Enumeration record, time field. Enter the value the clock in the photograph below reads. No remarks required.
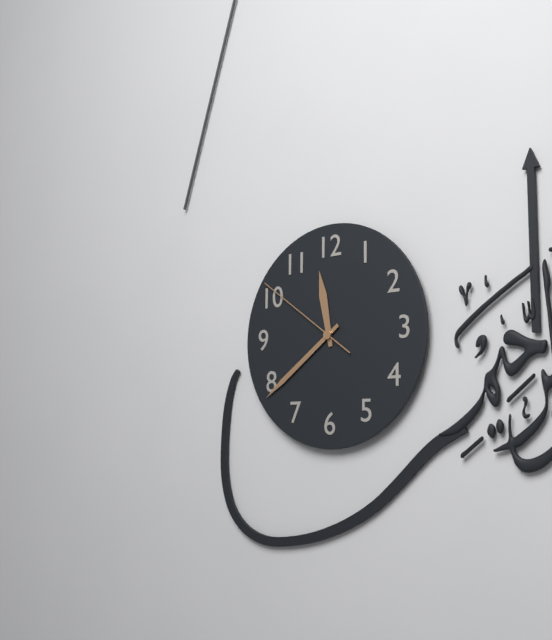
11:39:51
